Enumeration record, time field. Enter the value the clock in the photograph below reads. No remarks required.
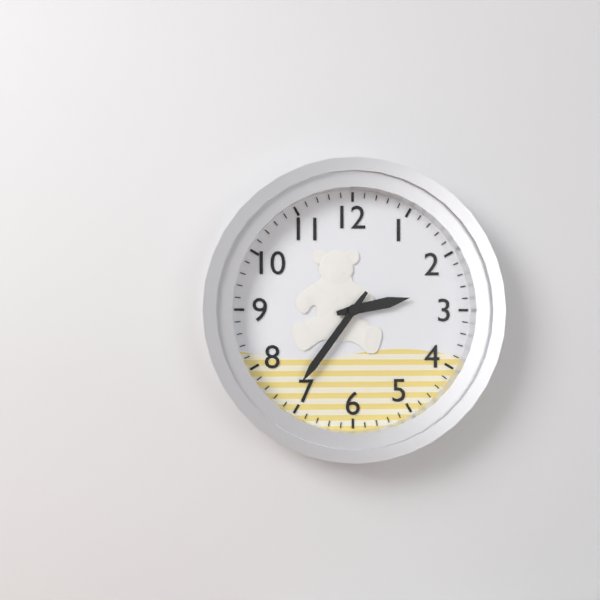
2:36
